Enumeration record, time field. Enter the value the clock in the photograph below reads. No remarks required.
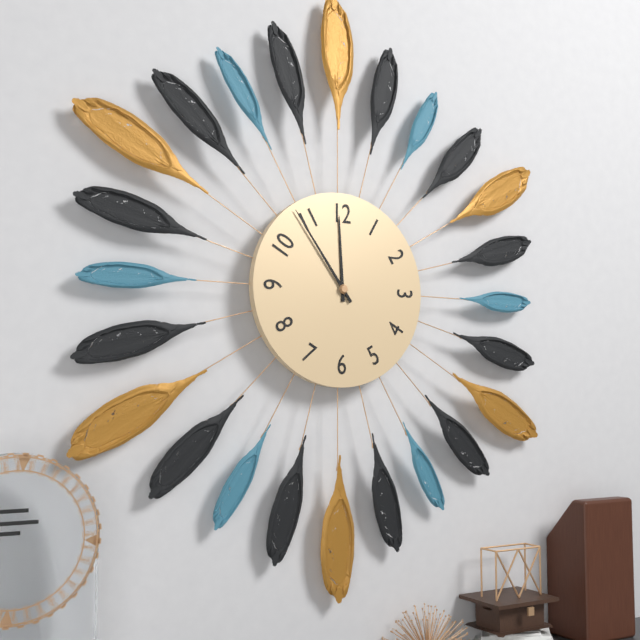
11:54
